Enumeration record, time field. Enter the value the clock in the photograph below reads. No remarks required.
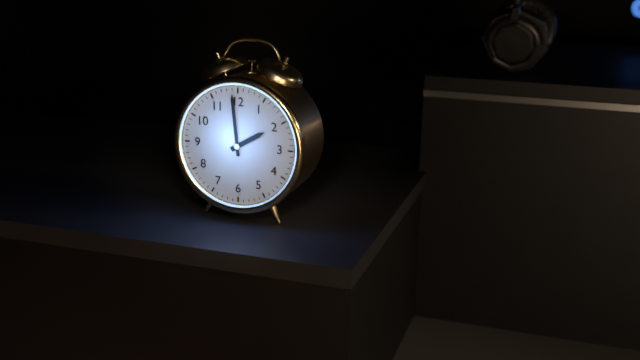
1:59
